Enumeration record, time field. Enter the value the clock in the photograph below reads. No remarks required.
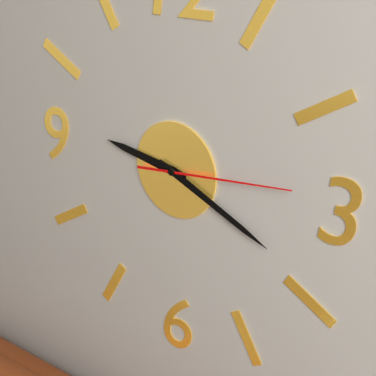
9:19:14
